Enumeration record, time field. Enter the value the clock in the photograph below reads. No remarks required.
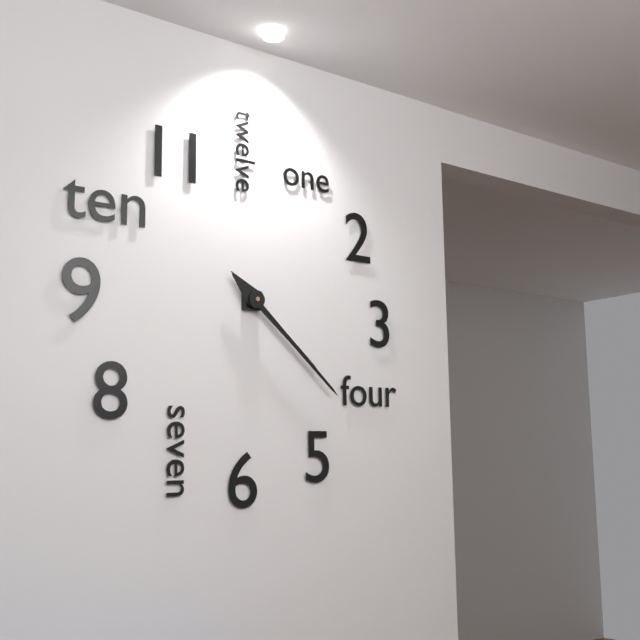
4:22
